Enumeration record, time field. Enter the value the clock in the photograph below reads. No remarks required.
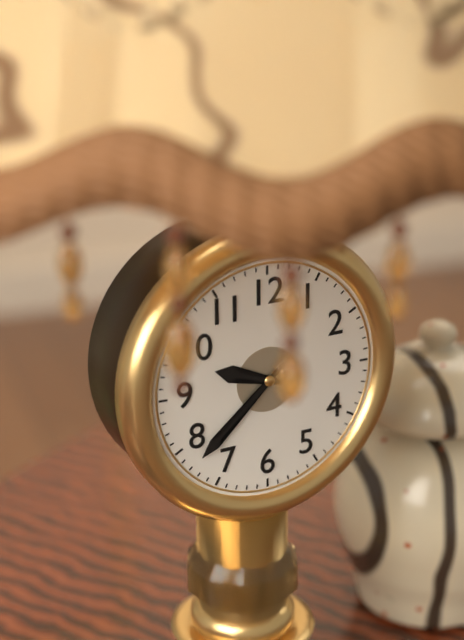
9:38
